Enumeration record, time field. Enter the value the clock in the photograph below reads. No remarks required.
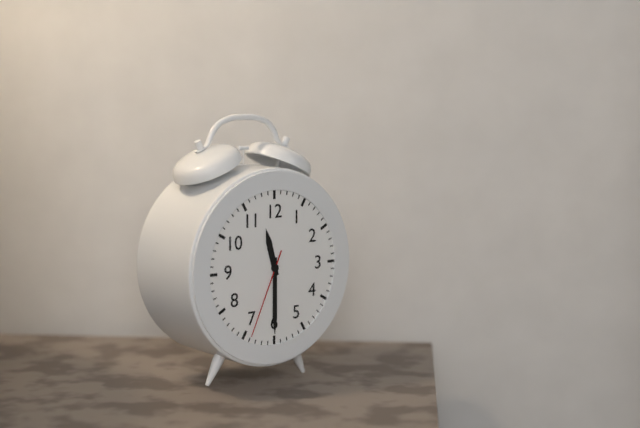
11:30:34
